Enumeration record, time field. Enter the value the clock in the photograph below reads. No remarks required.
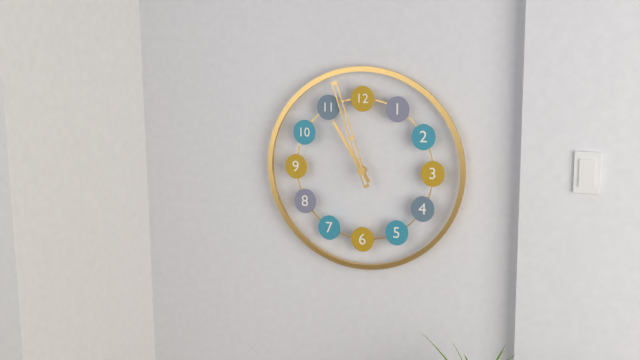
10:57
